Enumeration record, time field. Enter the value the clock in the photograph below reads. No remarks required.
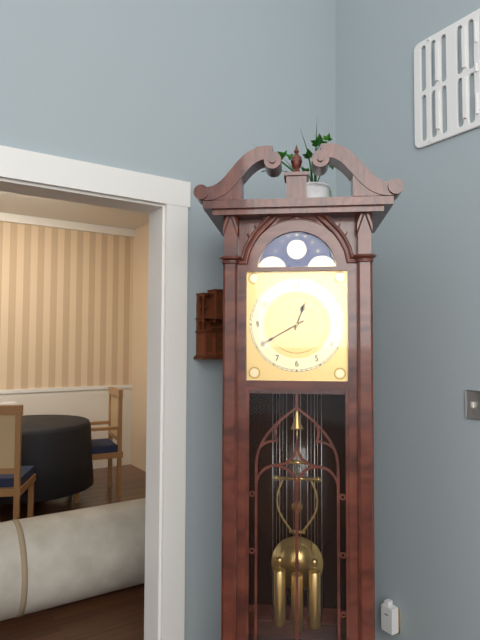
12:40
